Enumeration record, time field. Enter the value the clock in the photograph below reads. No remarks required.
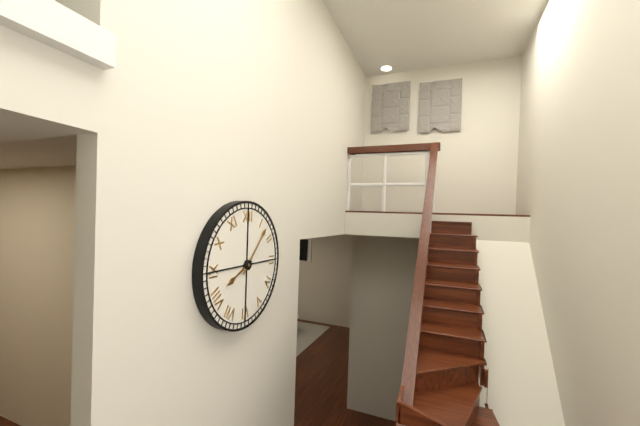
8:07
